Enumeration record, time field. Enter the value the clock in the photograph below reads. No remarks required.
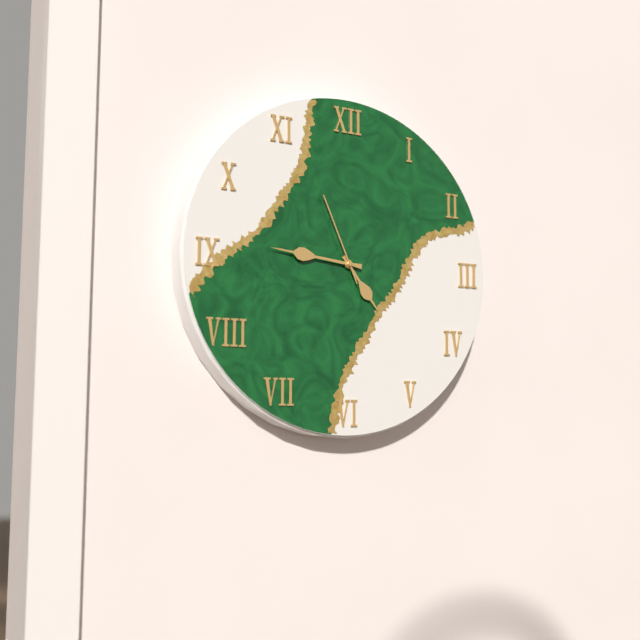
4:46:56
